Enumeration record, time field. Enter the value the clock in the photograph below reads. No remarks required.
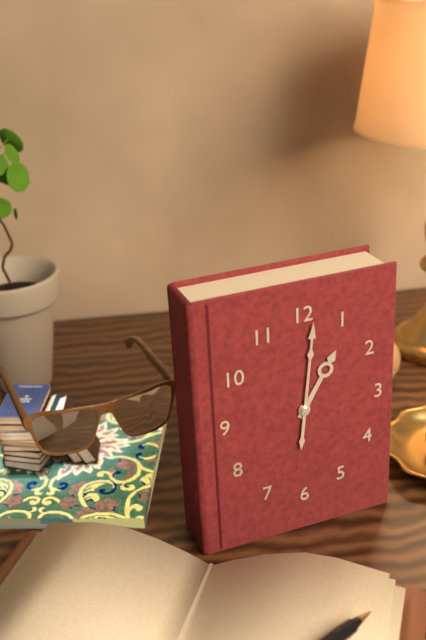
1:01
